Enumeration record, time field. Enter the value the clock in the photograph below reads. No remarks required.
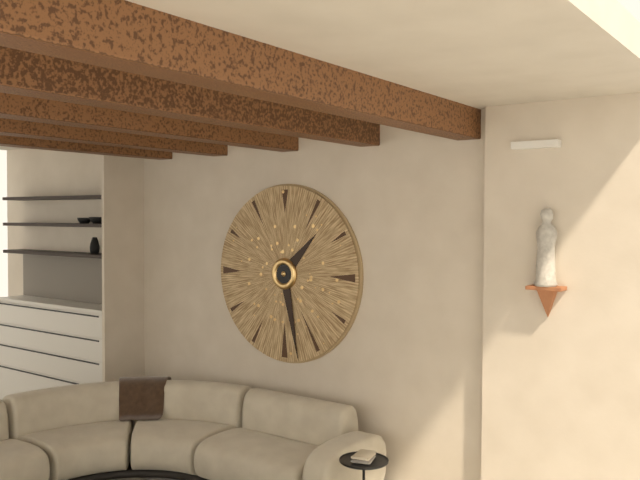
1:28
